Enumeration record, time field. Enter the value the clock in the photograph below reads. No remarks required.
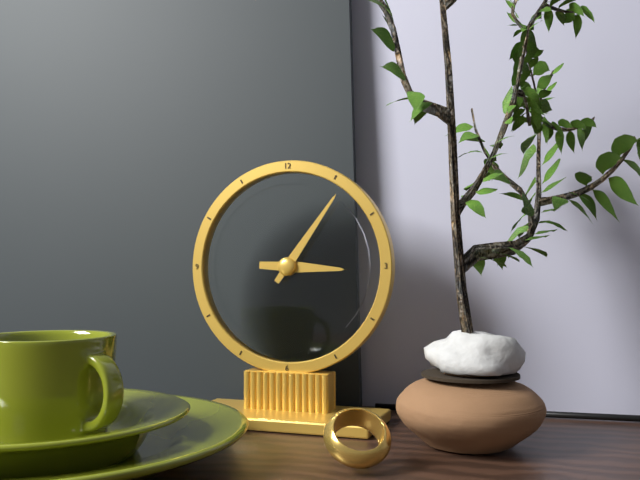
3:06
